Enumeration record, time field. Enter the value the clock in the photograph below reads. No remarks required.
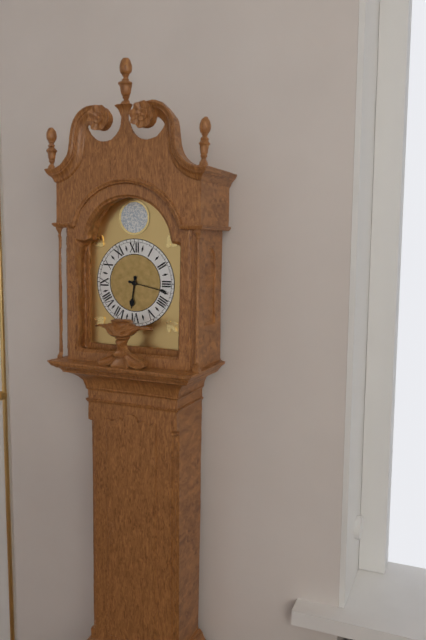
6:17
